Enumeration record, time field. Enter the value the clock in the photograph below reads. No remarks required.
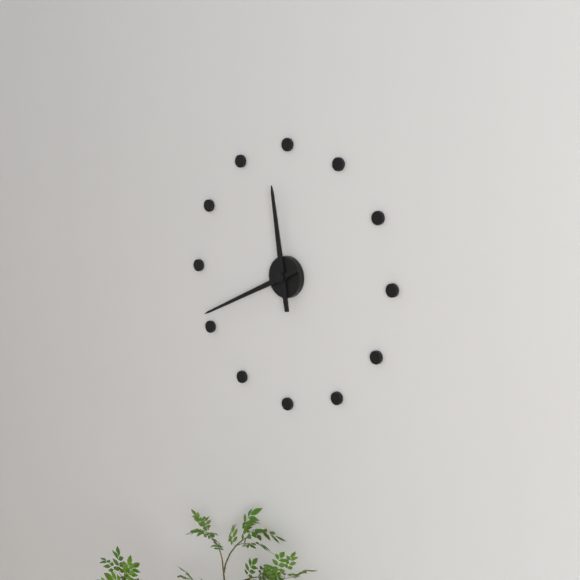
11:41
